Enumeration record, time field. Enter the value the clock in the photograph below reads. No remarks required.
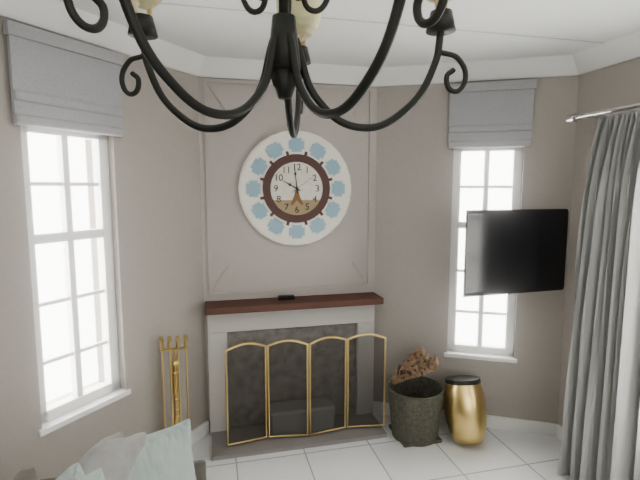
9:59
